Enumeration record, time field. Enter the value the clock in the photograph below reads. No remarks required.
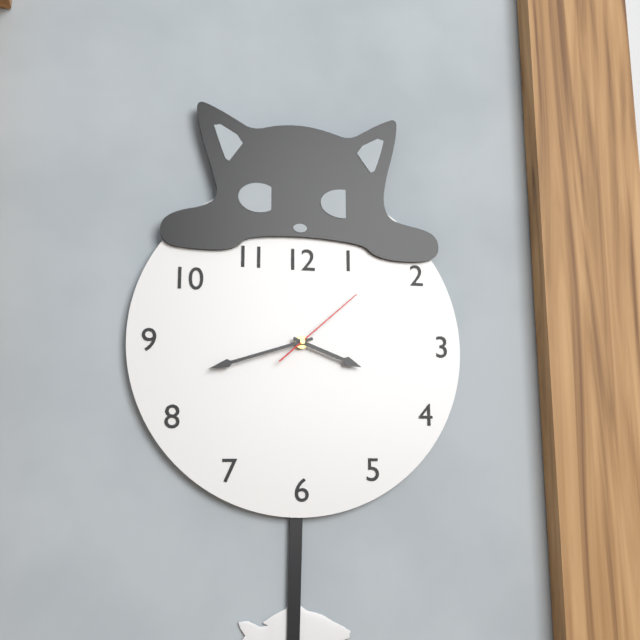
3:42:08
